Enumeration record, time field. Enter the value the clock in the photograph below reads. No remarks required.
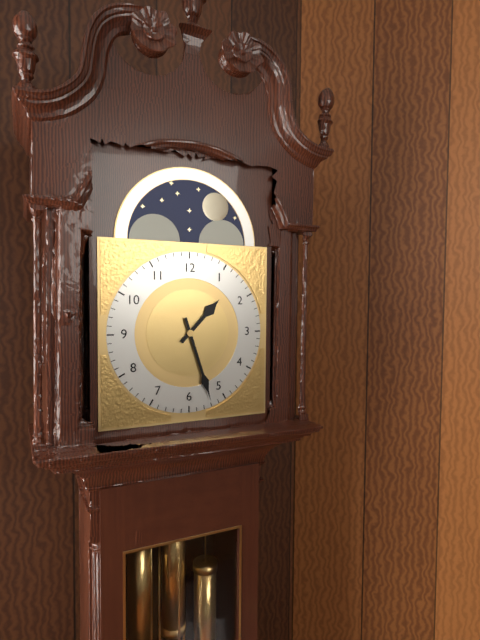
1:27
